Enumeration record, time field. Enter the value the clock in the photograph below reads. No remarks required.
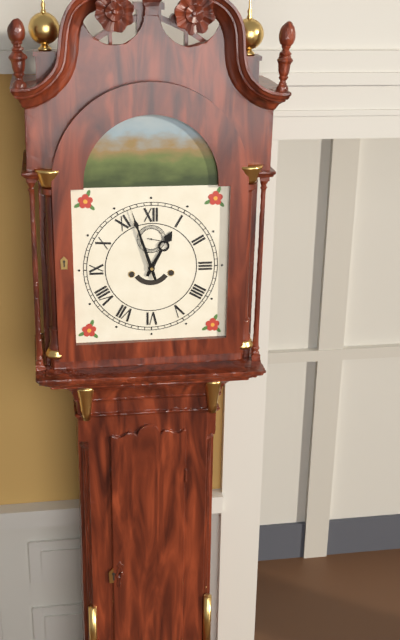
12:57
